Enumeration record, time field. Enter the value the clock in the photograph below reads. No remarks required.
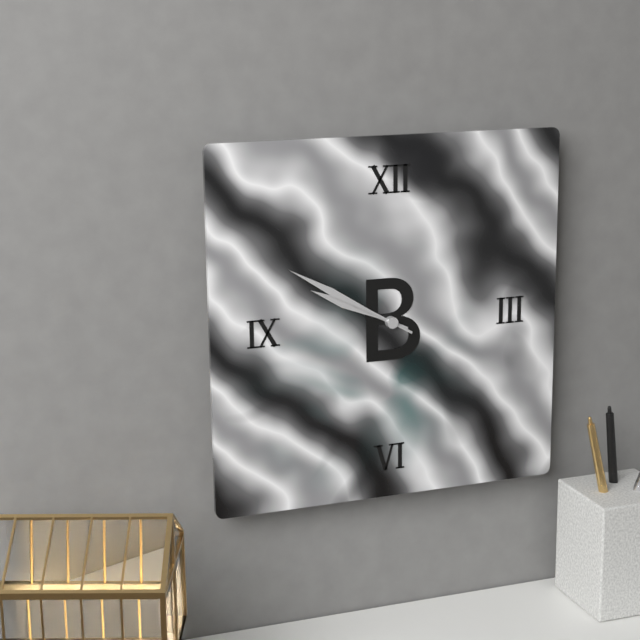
9:50
